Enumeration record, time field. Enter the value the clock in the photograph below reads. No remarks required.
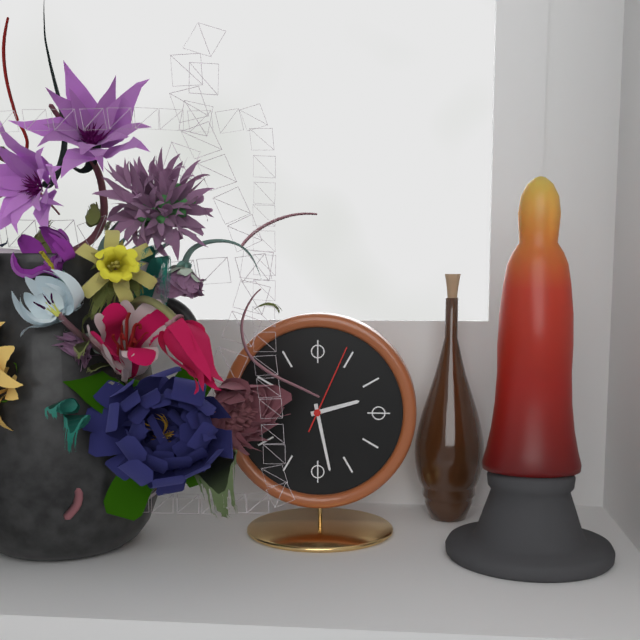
2:28:04
